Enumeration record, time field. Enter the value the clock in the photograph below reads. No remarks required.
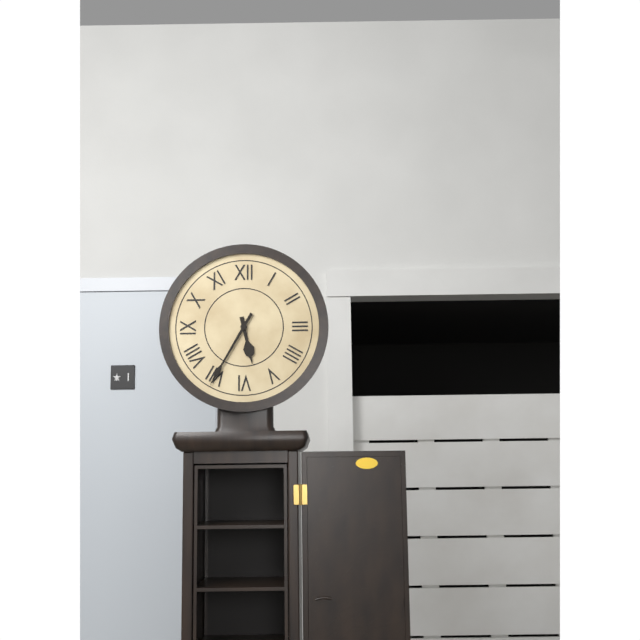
5:35
